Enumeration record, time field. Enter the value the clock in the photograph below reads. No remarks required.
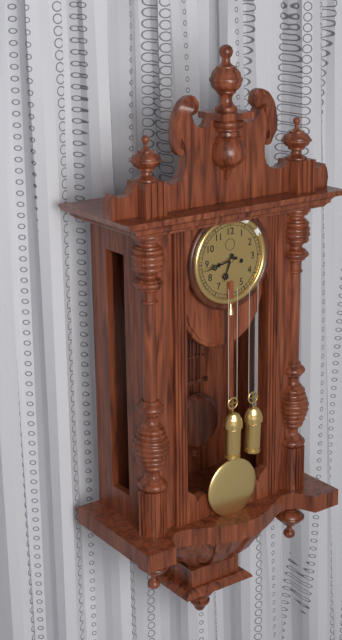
6:43
